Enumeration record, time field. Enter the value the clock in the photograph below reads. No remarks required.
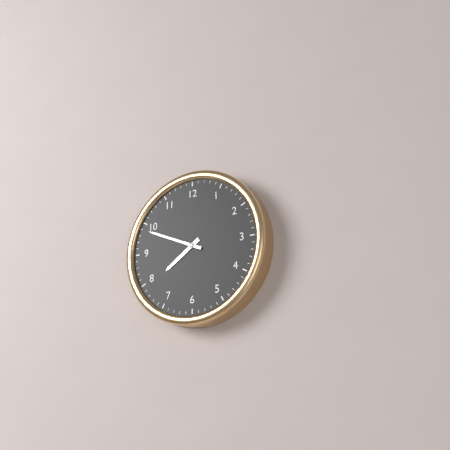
7:49
